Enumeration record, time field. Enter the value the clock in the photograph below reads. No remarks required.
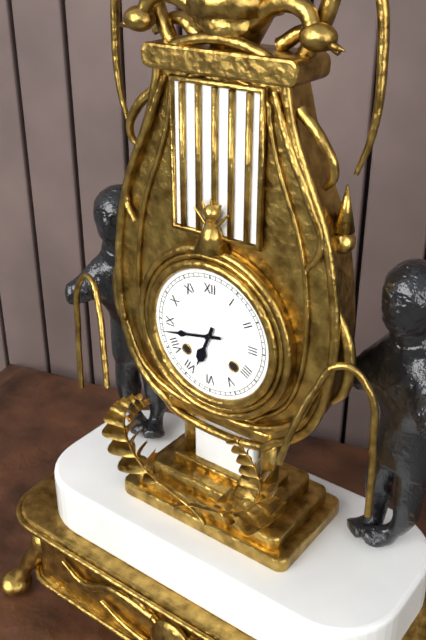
6:43
